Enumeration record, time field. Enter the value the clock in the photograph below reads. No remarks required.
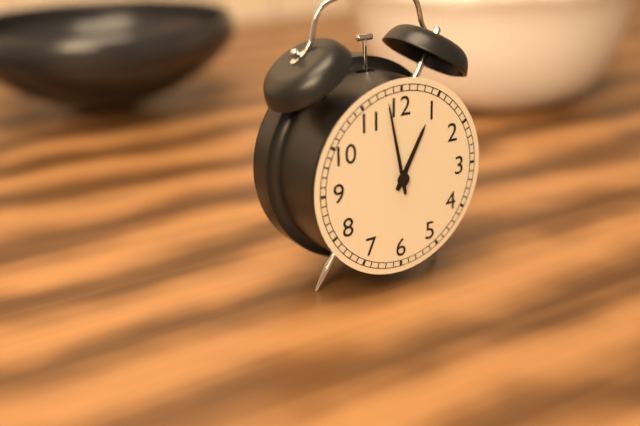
12:58
